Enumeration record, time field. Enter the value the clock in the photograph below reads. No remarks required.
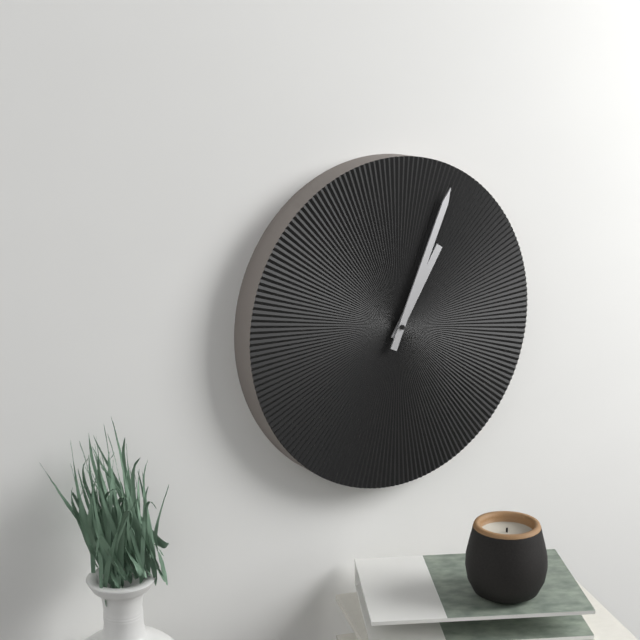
1:04
